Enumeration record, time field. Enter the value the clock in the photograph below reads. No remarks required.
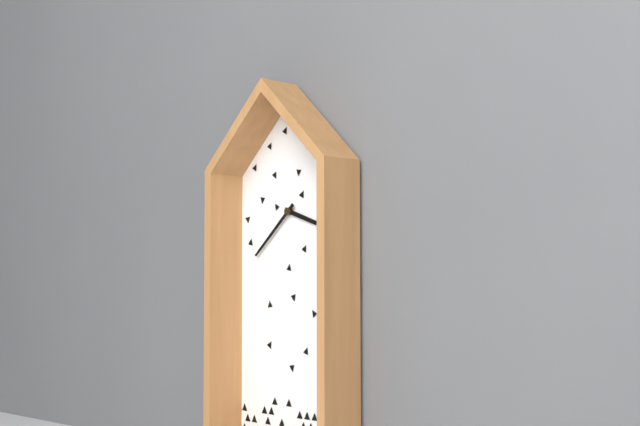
3:38
